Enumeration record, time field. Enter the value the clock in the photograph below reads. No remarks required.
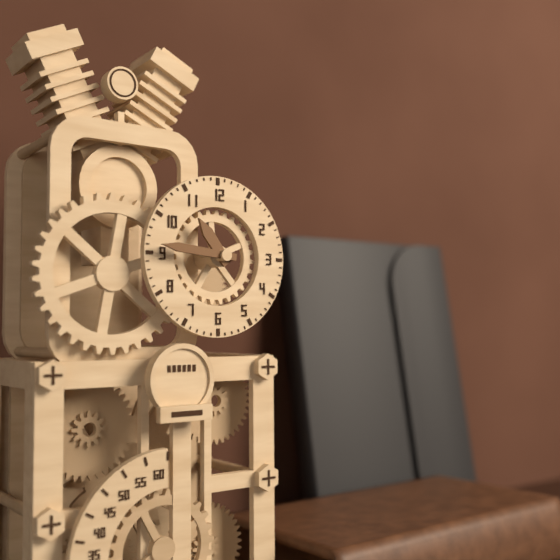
10:46
